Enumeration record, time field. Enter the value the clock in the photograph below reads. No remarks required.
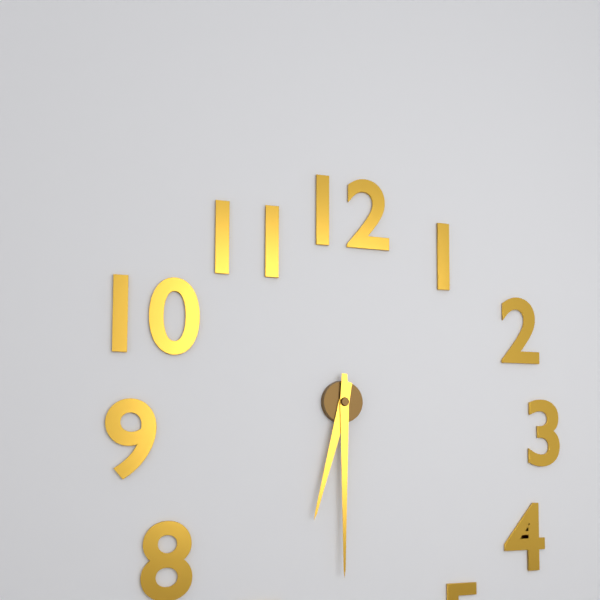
6:30
